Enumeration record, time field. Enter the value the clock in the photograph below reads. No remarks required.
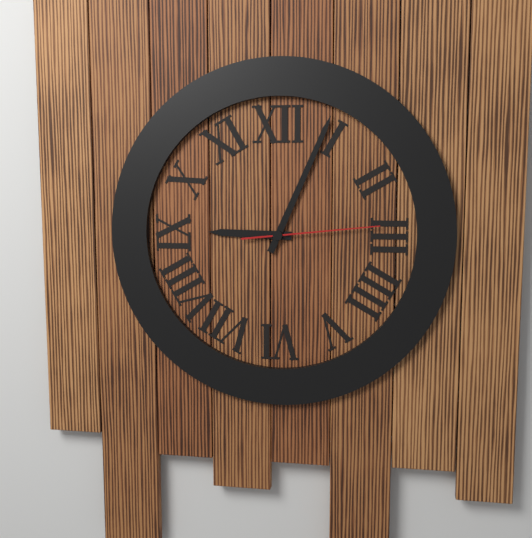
9:04:14
